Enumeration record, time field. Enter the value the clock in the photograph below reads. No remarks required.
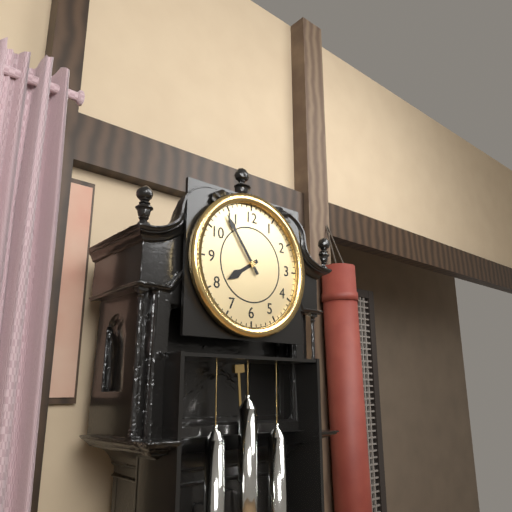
7:54
